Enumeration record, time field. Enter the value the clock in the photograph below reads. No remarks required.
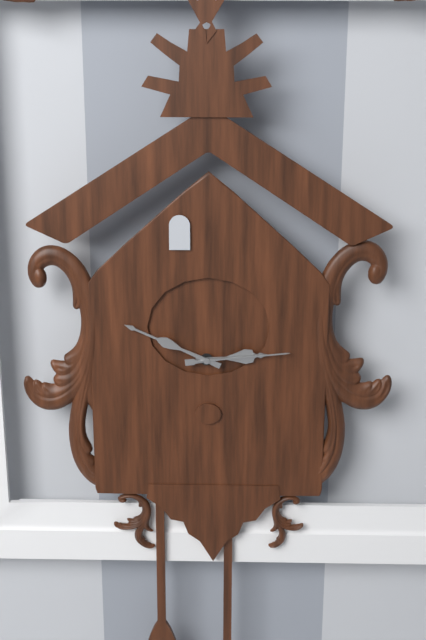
2:49:14
